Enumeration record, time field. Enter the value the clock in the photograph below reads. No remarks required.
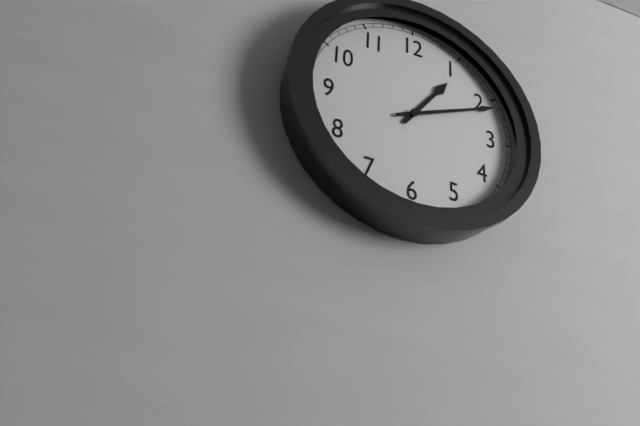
1:11
